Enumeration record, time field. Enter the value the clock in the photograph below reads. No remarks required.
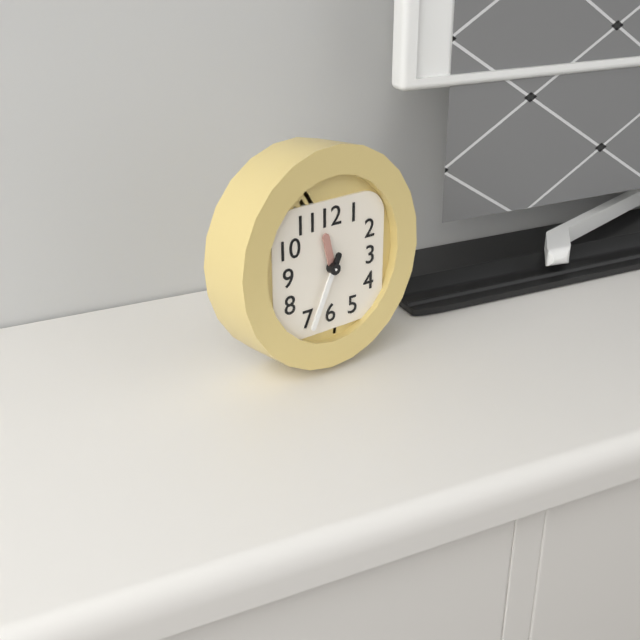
11:34
